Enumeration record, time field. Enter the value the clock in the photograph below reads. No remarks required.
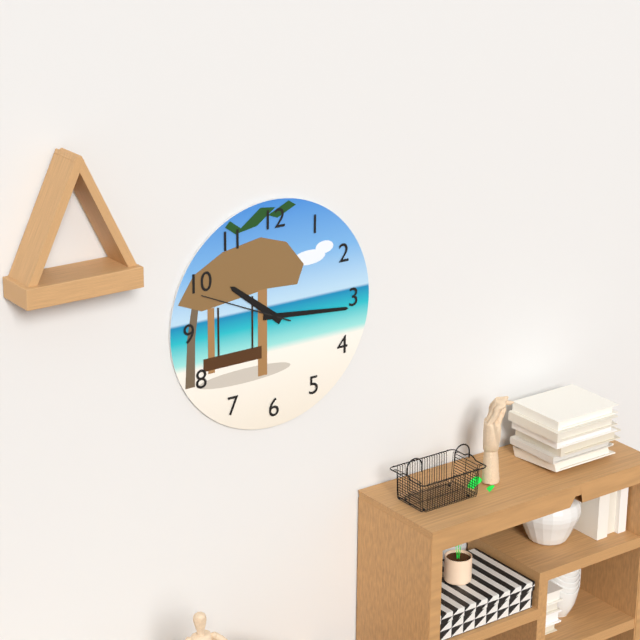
10:16:49
